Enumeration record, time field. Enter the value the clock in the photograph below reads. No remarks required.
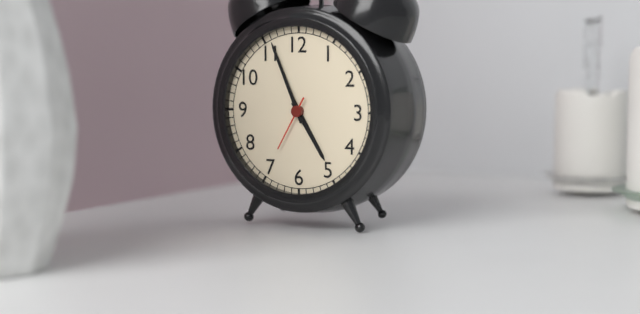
4:56:35
